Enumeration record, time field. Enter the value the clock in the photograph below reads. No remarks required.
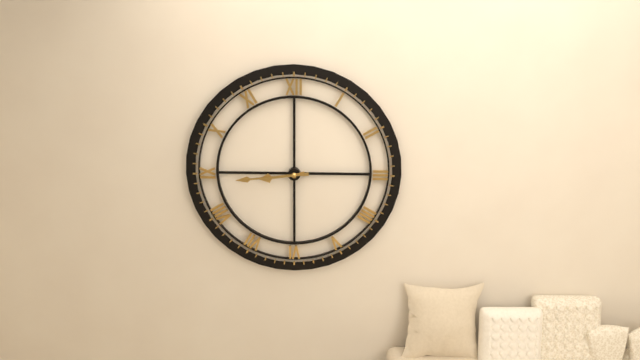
8:44
